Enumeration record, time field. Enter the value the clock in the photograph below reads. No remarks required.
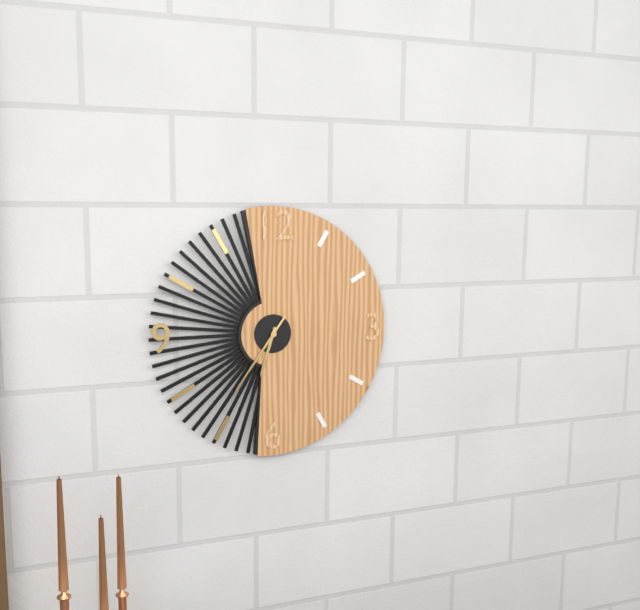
6:36
